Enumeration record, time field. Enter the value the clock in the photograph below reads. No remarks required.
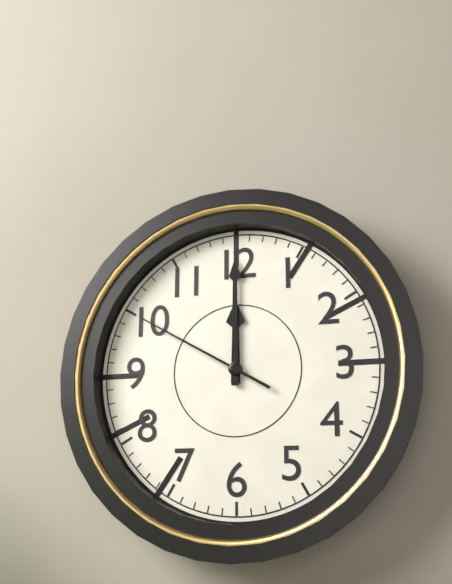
12:00:50
